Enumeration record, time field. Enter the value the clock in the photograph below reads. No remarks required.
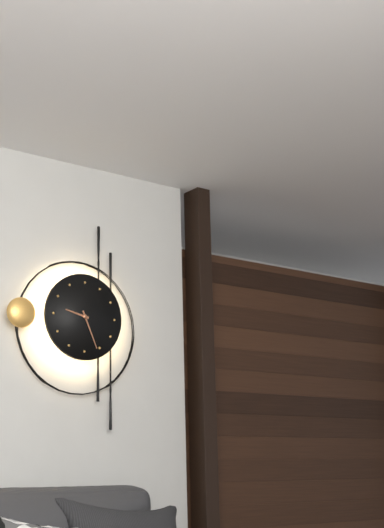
9:26
